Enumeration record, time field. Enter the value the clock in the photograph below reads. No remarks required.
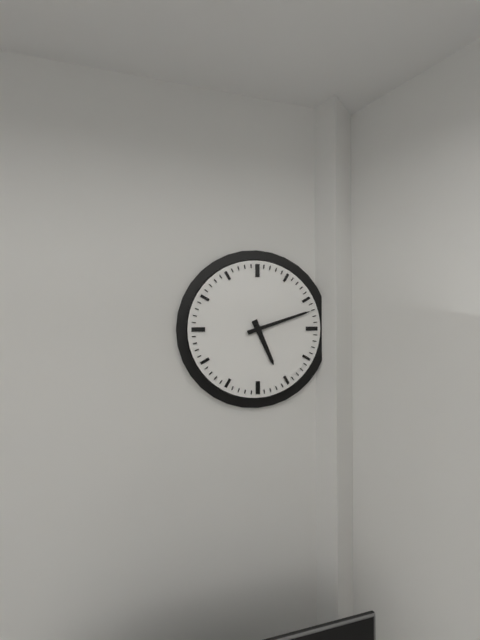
5:12
